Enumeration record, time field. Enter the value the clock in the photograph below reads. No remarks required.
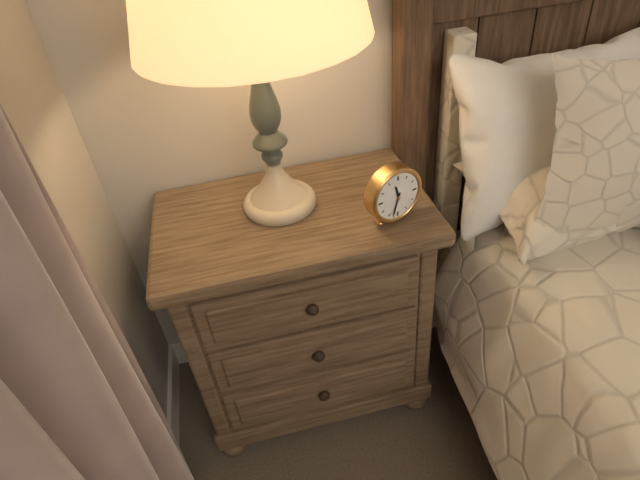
11:33
